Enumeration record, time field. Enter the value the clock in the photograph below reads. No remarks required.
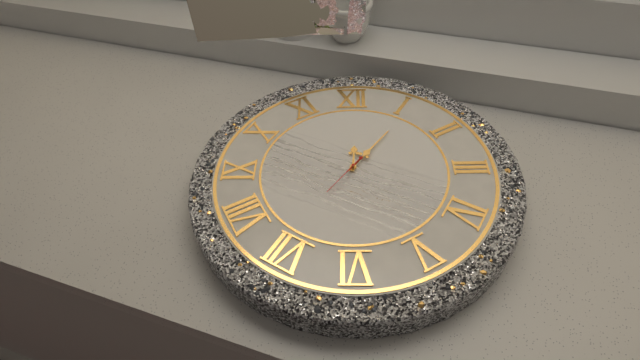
12:06
